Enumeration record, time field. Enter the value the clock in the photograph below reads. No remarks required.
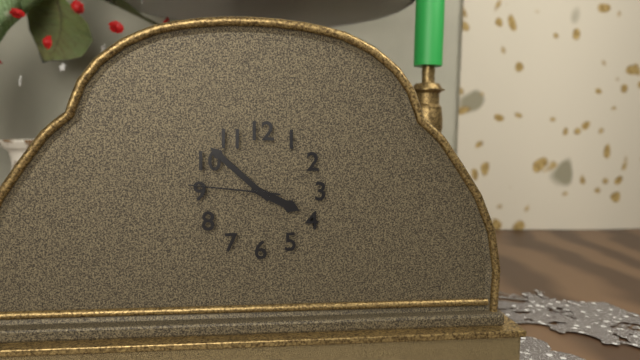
3:52:46
